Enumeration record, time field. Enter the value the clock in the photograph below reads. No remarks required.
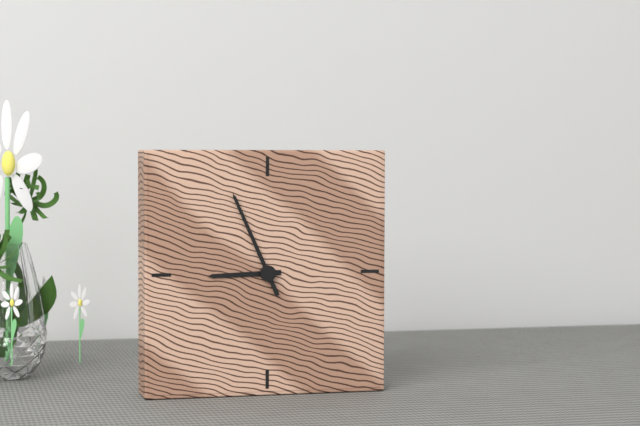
8:56
